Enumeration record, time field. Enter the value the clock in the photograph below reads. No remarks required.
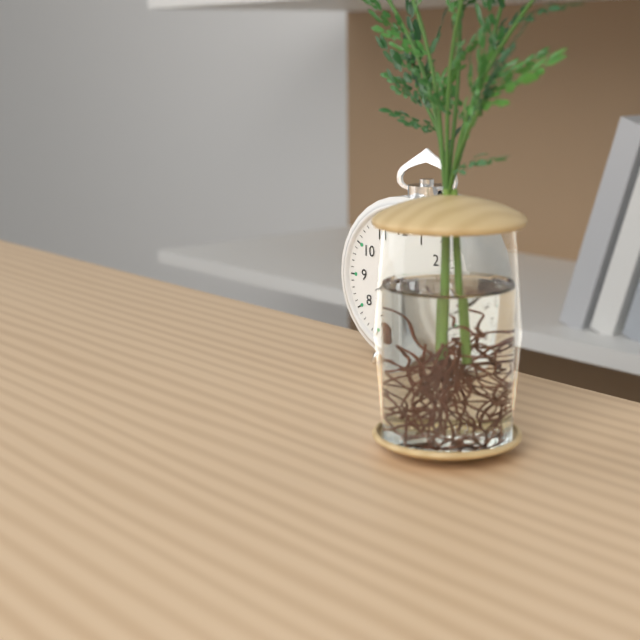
8:18
